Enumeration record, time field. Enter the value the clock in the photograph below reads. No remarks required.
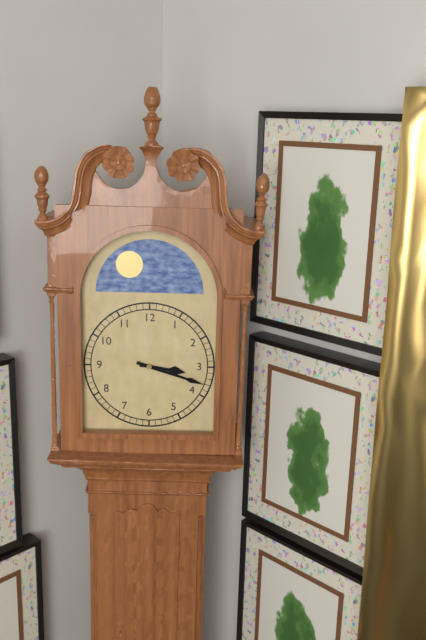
3:18
